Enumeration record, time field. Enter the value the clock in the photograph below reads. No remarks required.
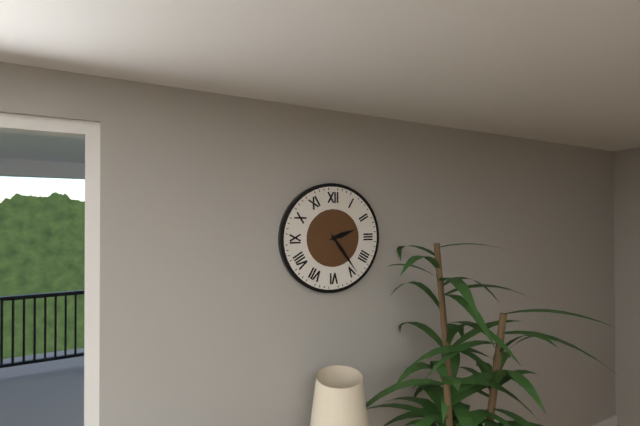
2:24
